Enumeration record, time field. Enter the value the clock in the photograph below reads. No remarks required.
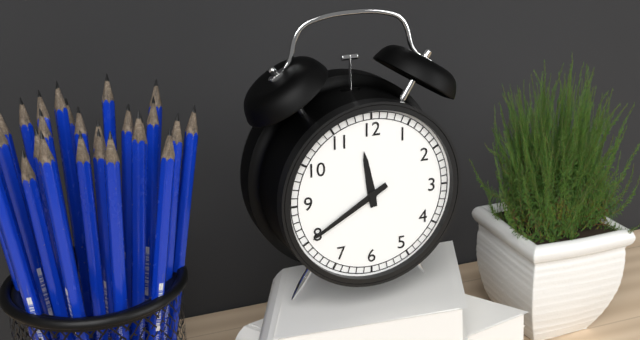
11:40
